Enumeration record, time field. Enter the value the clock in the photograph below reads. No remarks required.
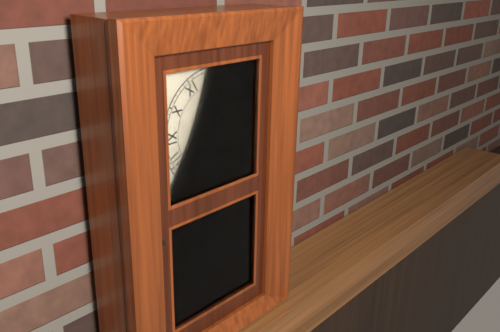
5:32
